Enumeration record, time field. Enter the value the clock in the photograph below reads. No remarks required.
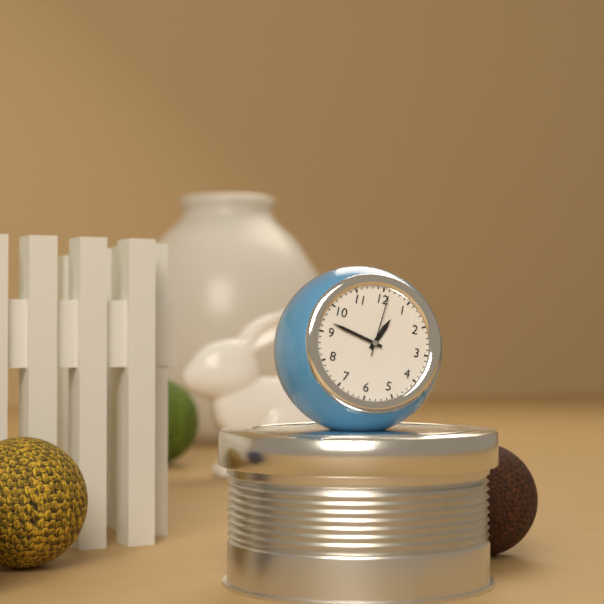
12:47:01
